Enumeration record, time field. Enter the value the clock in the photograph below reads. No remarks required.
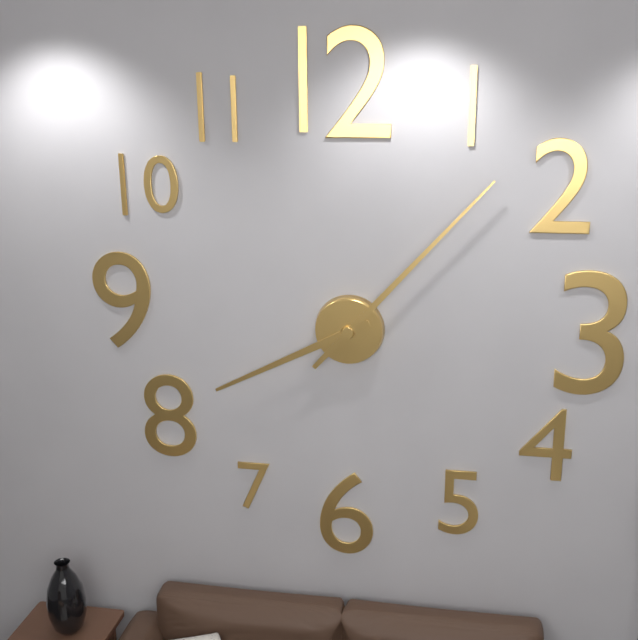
8:07
